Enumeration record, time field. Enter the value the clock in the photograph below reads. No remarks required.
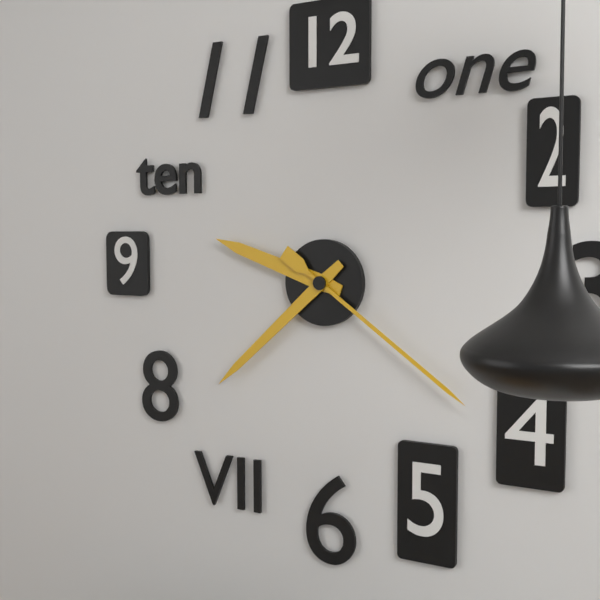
9:38:21
